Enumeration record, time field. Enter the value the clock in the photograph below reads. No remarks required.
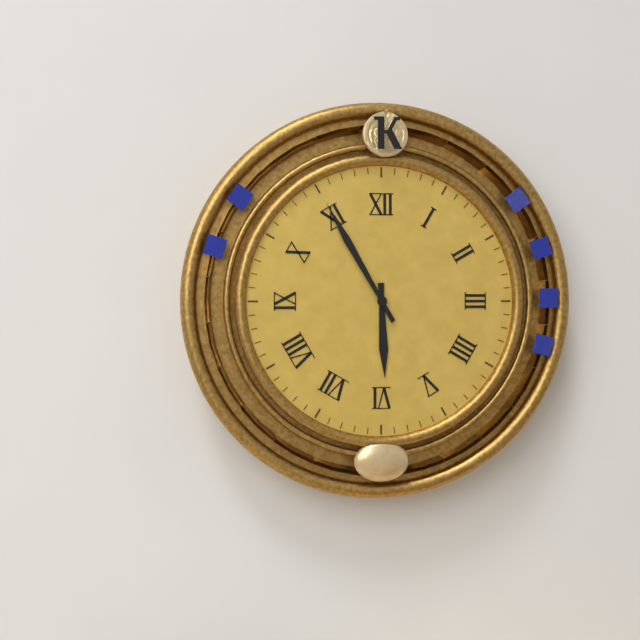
5:55
